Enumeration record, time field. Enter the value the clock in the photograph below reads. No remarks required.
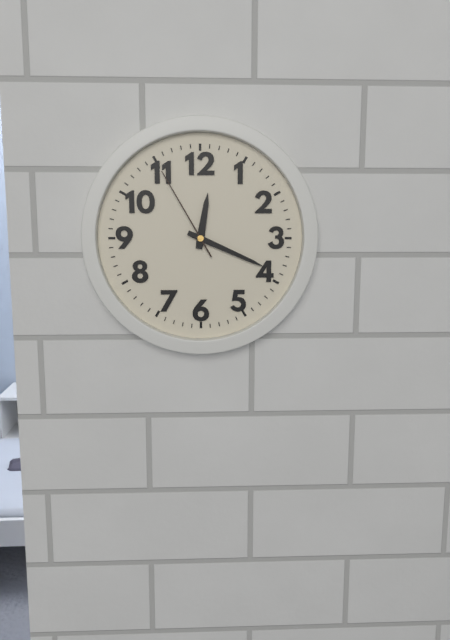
12:19:55
